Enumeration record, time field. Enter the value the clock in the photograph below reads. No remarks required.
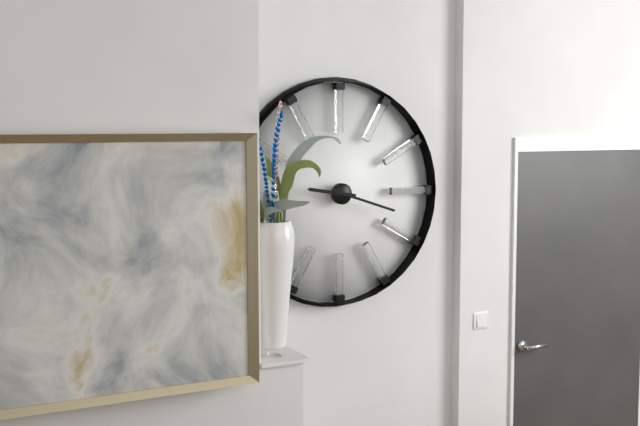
9:18
